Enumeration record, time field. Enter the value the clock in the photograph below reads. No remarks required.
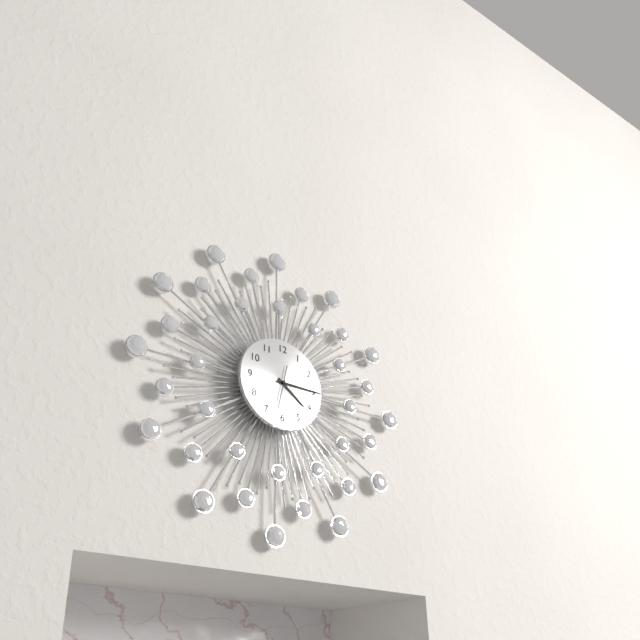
4:15:32
